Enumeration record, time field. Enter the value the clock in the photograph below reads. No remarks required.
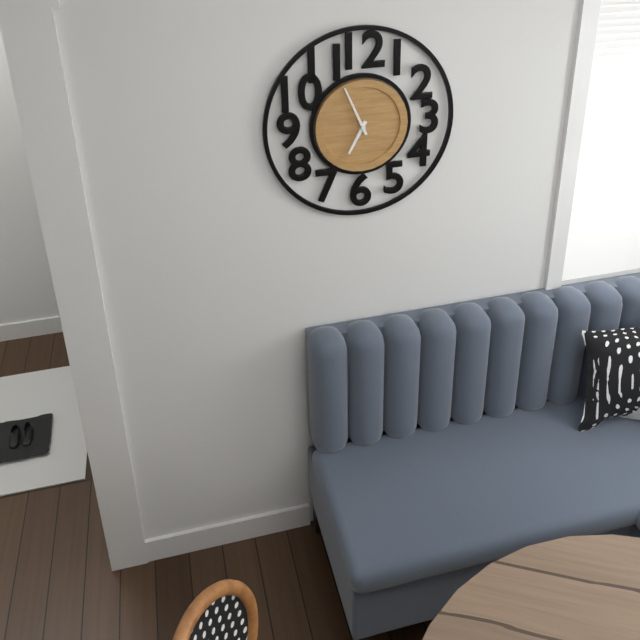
6:56
